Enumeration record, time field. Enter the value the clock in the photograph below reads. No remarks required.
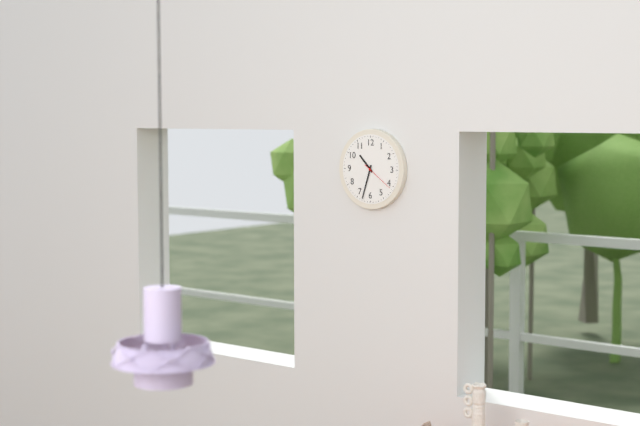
10:33
